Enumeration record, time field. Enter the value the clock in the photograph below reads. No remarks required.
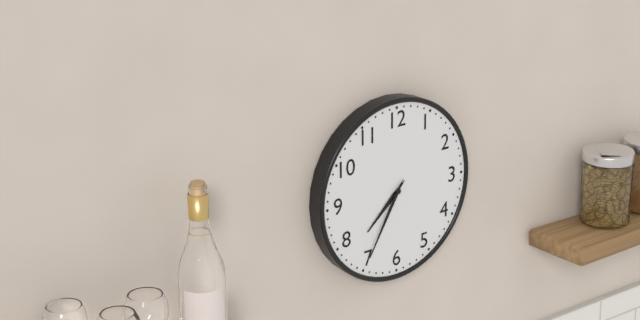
7:35
